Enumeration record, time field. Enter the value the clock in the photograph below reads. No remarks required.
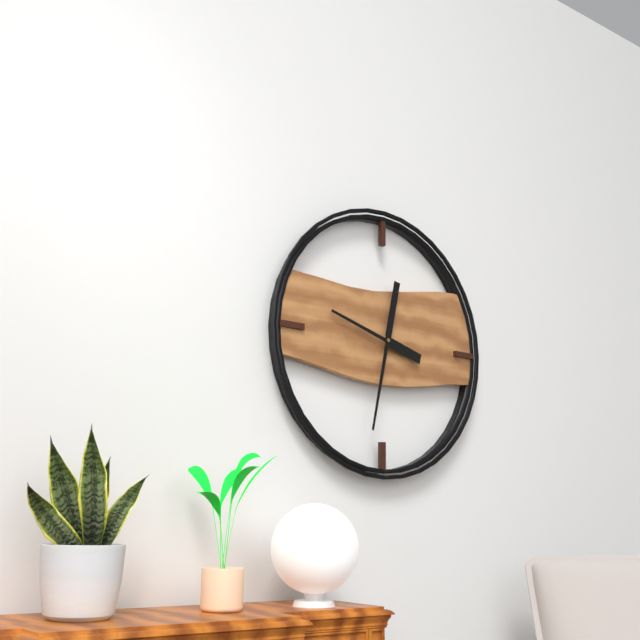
9:32
